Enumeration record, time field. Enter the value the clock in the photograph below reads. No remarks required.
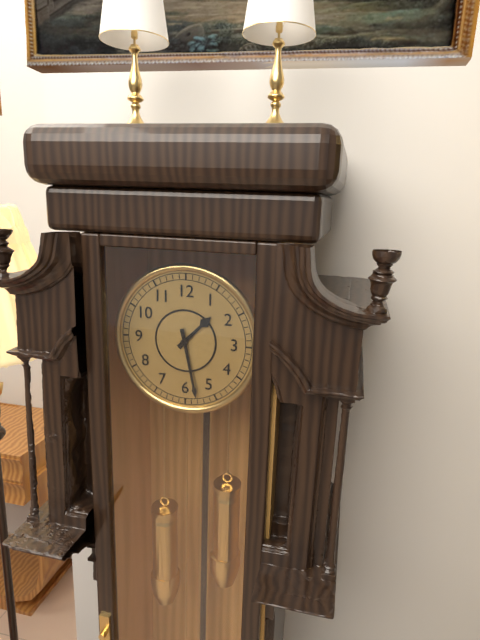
1:28
